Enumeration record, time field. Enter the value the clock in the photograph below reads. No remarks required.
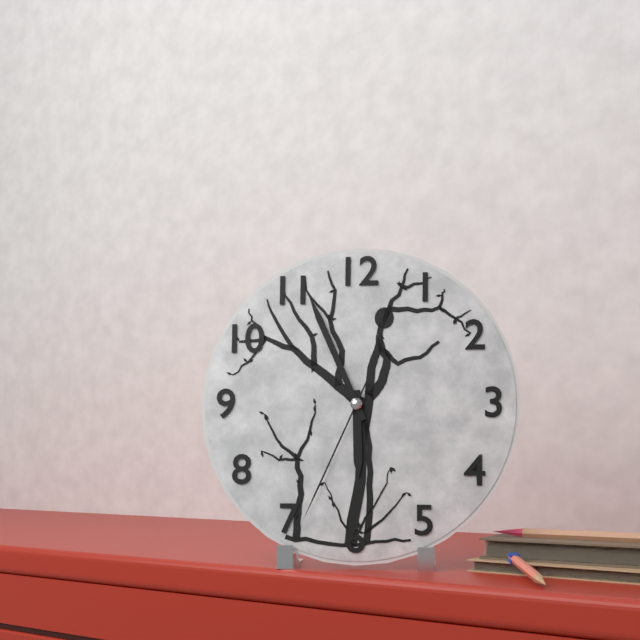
5:56:34
